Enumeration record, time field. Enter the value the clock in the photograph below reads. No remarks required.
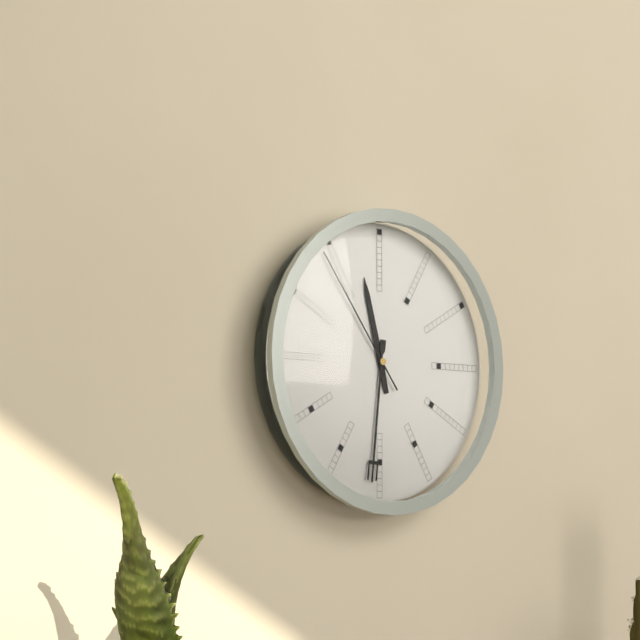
11:31:54
